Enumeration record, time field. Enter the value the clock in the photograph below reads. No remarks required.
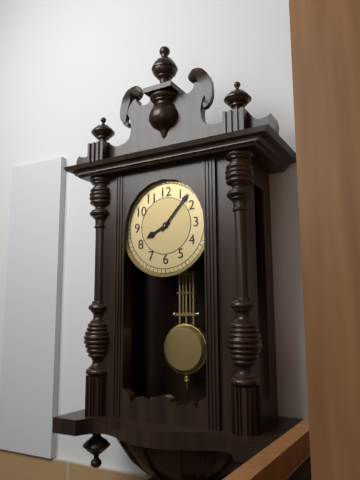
8:07
